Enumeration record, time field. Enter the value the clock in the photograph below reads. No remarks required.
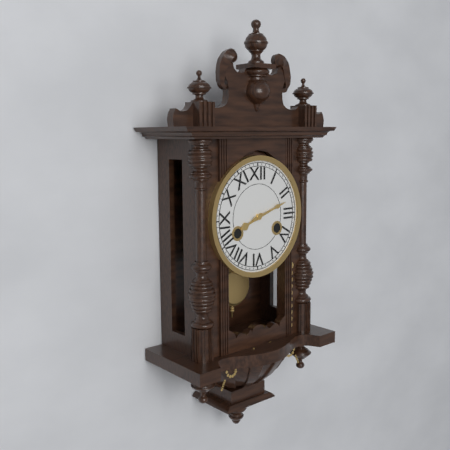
8:12
